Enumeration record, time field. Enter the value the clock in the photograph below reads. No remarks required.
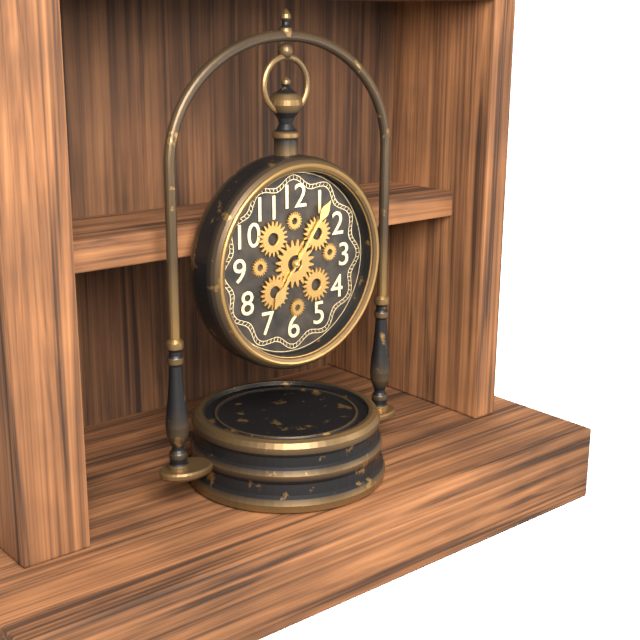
7:06
